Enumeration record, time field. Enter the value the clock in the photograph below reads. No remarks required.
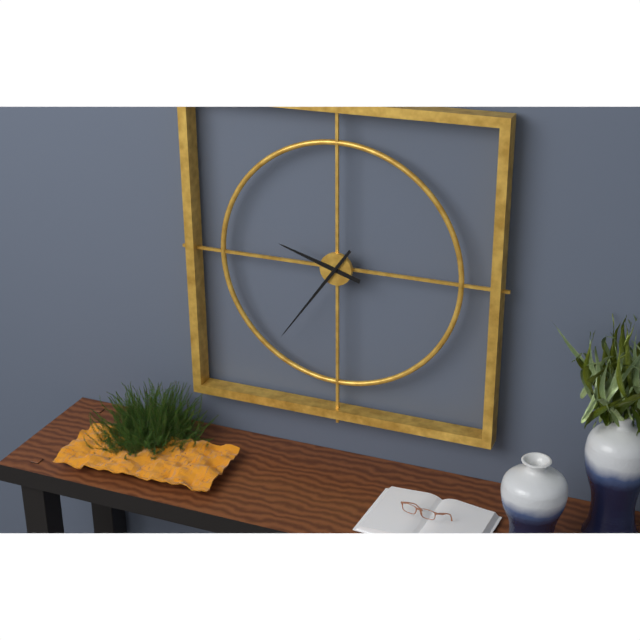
9:36
